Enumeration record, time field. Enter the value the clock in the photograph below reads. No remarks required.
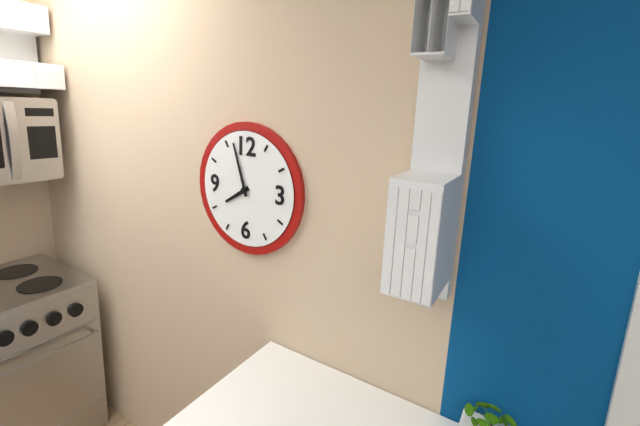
7:57
